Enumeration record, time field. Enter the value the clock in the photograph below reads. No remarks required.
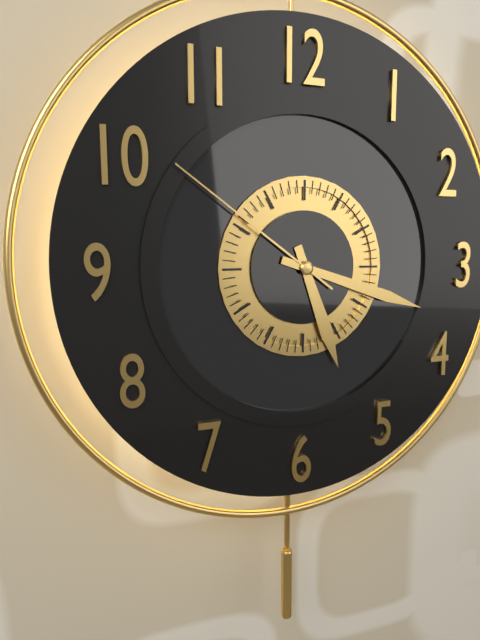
5:18:51
